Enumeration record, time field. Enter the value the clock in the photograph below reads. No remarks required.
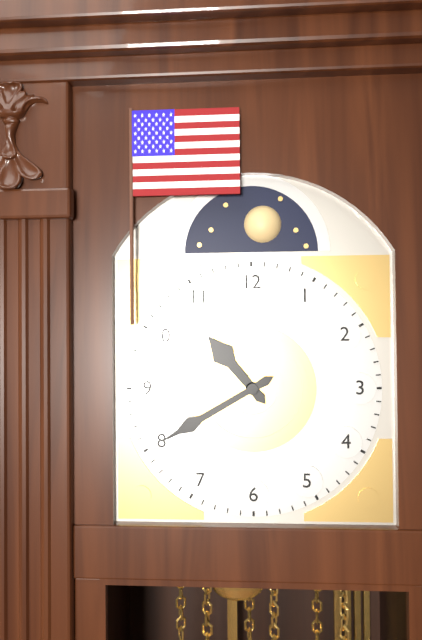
10:40
